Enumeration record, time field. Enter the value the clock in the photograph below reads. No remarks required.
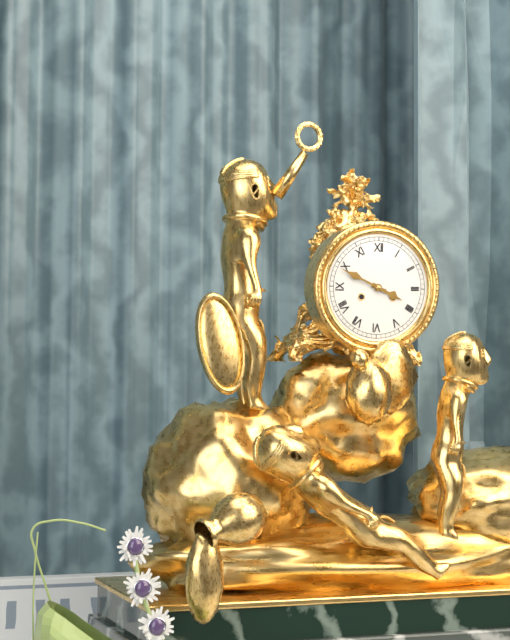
3:49
